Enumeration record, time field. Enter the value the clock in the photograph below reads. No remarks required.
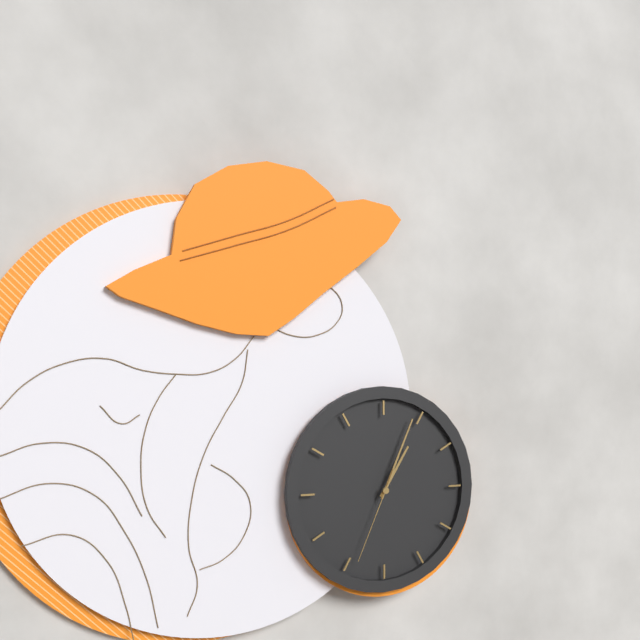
1:04:34
